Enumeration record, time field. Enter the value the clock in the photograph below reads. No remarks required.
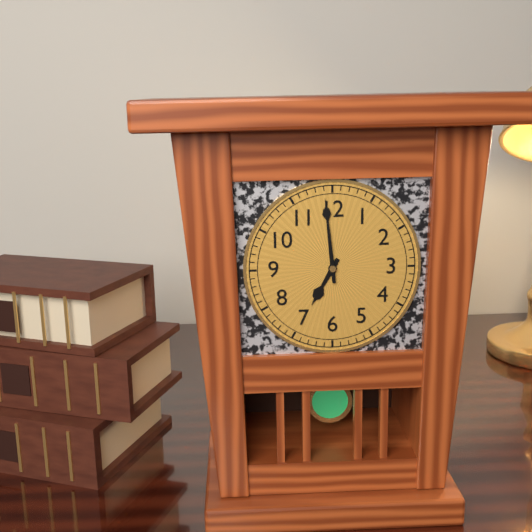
6:59
